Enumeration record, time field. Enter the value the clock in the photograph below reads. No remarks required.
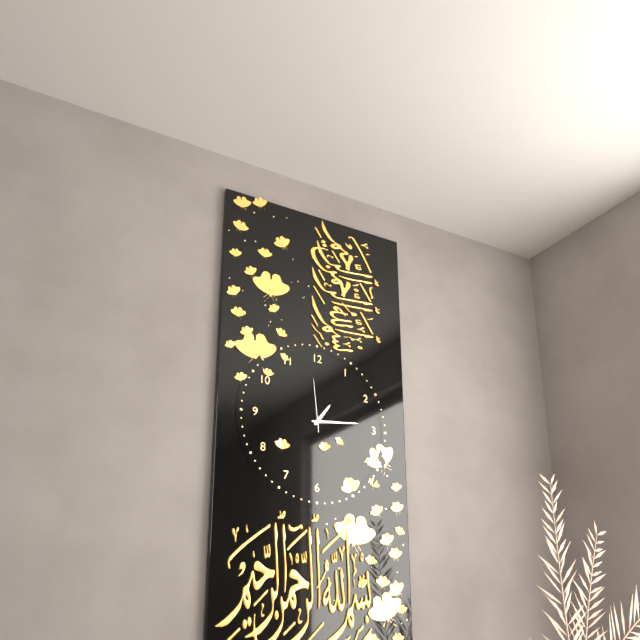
1:14:59
